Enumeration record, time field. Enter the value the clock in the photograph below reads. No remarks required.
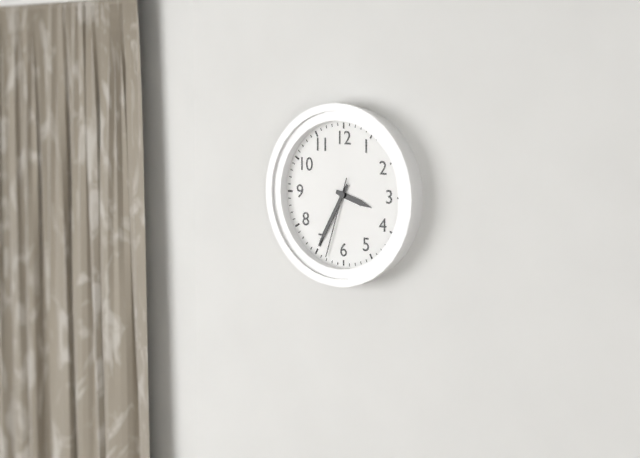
3:35:33
